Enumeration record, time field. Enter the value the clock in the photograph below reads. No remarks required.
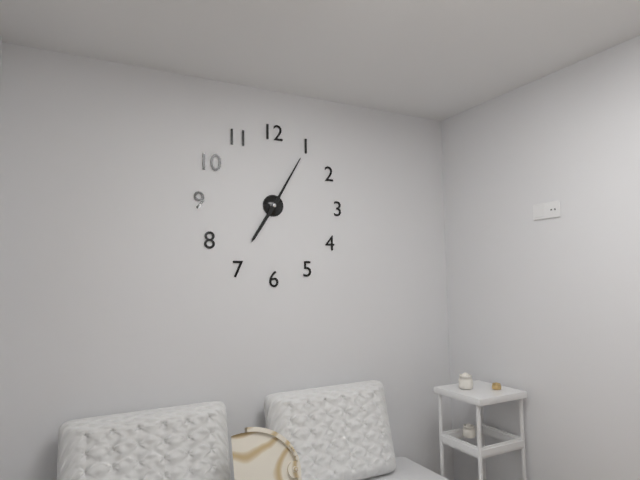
7:05
